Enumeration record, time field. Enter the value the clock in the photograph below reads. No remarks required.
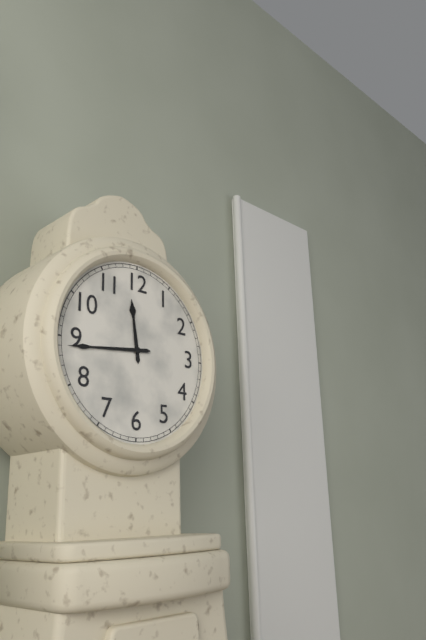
11:44
